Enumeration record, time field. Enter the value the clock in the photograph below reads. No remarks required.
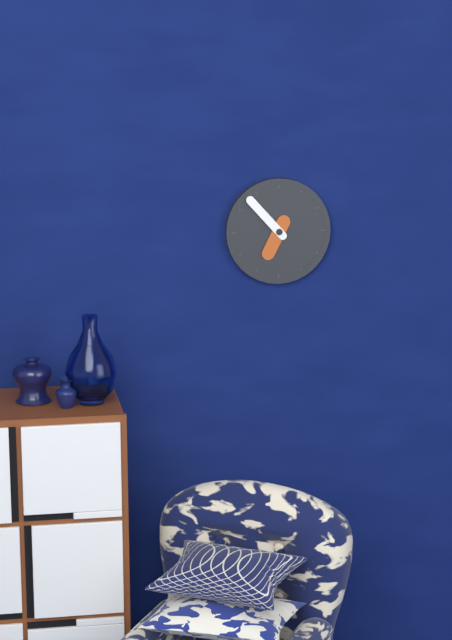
6:53
